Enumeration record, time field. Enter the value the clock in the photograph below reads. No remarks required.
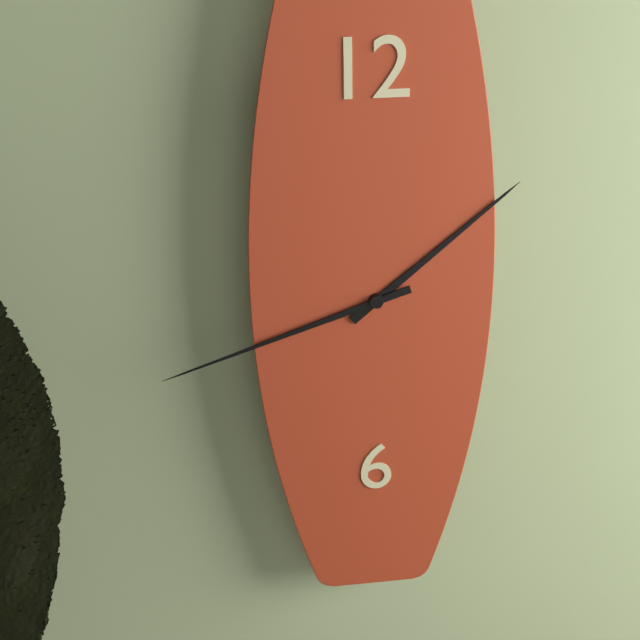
1:42
